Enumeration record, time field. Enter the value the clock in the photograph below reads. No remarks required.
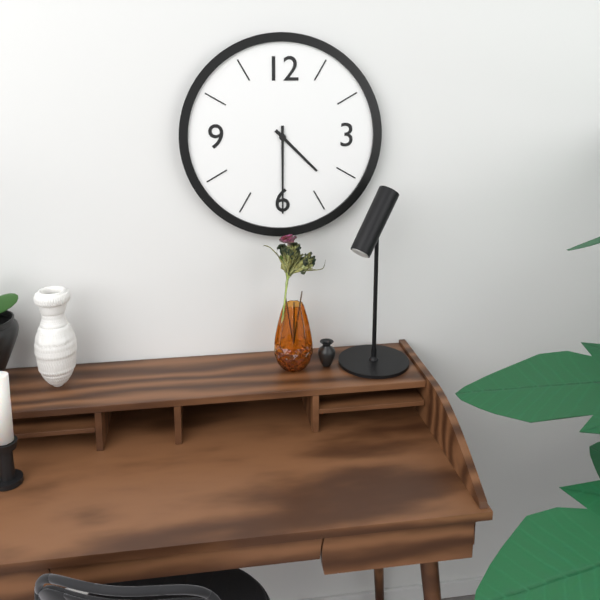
4:30
